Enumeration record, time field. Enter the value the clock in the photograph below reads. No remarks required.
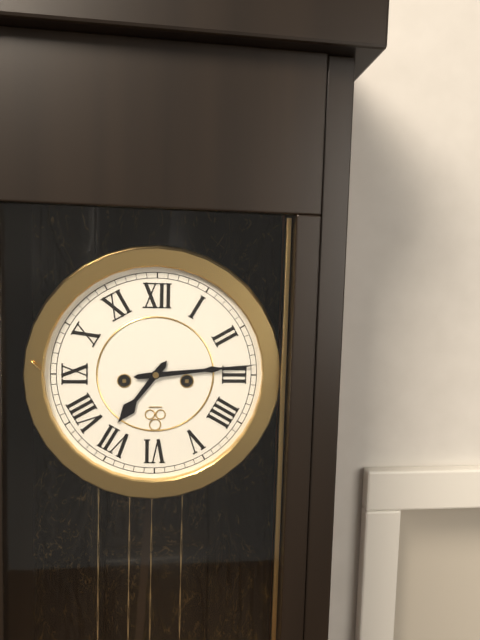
7:14
